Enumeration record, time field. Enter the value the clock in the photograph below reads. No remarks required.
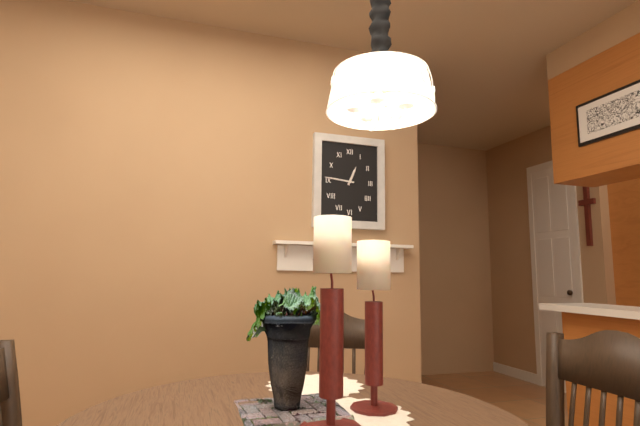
12:46
